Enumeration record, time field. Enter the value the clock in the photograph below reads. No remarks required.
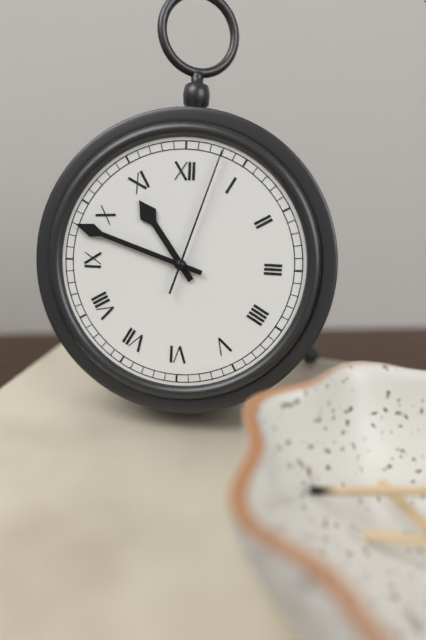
10:48:03
